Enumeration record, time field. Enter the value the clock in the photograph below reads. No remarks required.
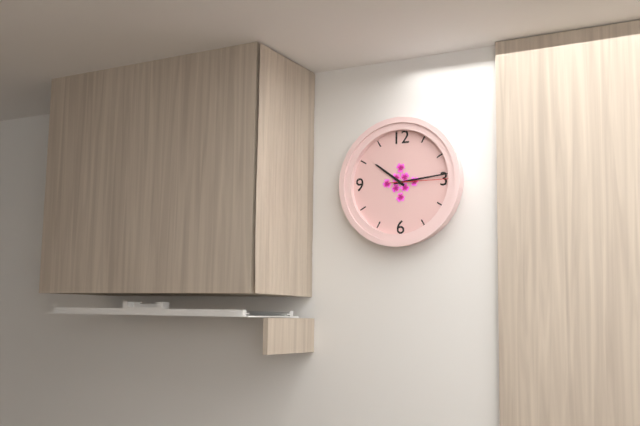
10:14:15
